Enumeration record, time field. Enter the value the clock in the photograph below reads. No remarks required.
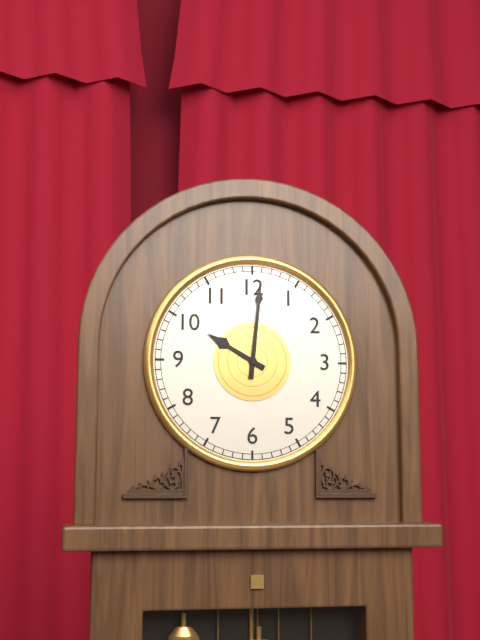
10:01
